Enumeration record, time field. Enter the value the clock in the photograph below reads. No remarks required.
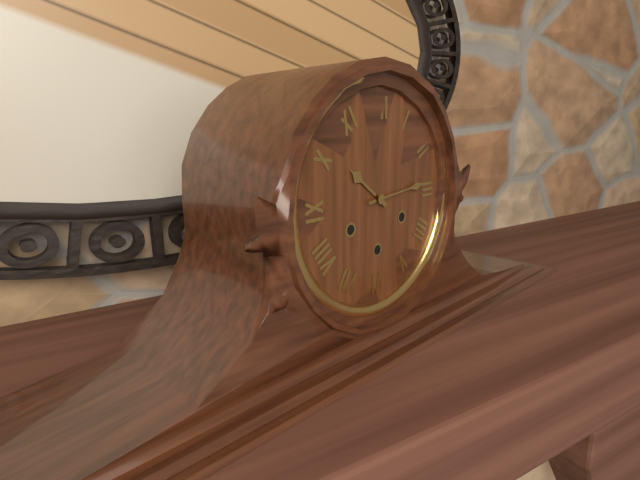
10:14
